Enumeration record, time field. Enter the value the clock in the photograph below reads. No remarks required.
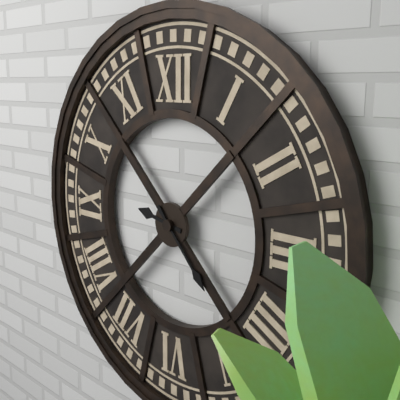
9:23
